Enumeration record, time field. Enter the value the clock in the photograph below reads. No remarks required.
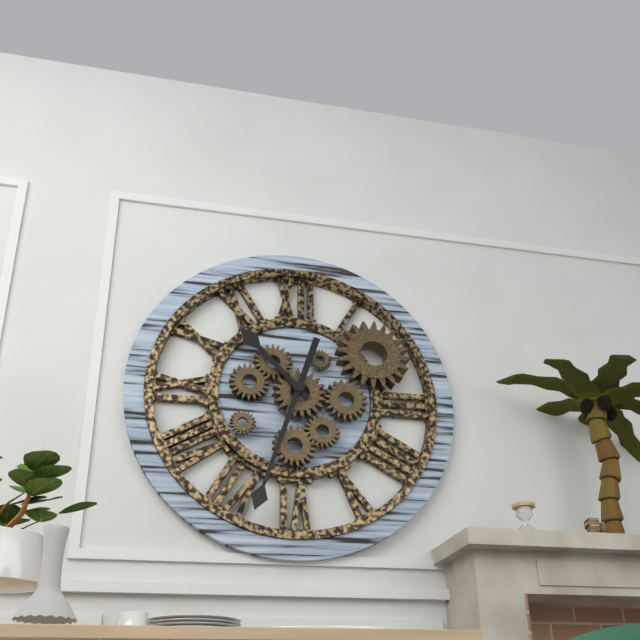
10:33
